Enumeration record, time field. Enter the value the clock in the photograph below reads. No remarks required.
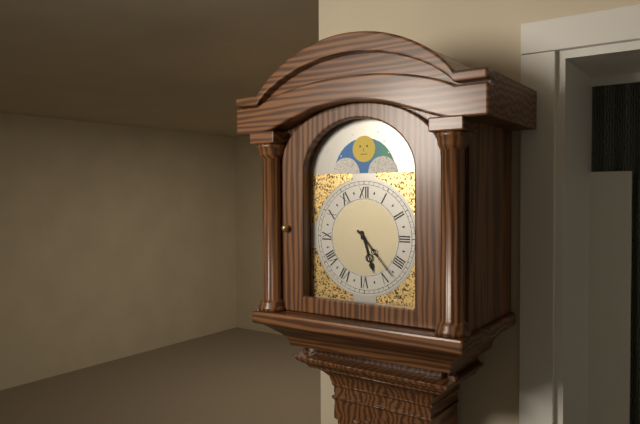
5:23
